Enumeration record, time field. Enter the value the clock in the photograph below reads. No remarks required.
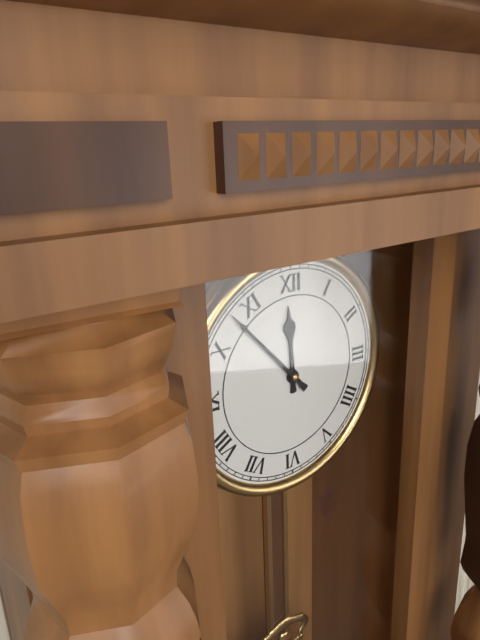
11:53
